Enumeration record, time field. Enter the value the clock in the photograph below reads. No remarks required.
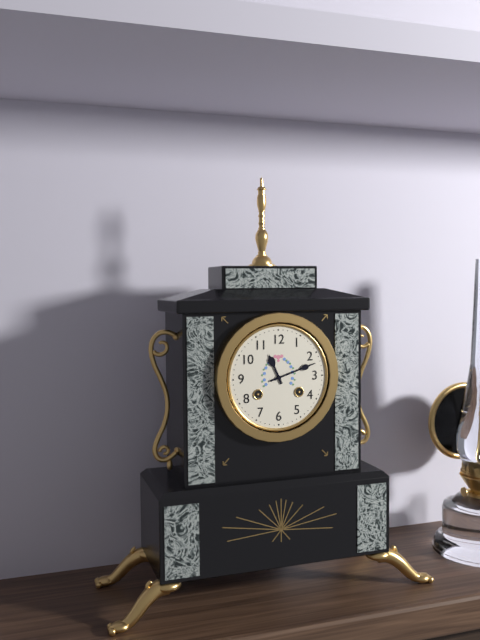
11:12
